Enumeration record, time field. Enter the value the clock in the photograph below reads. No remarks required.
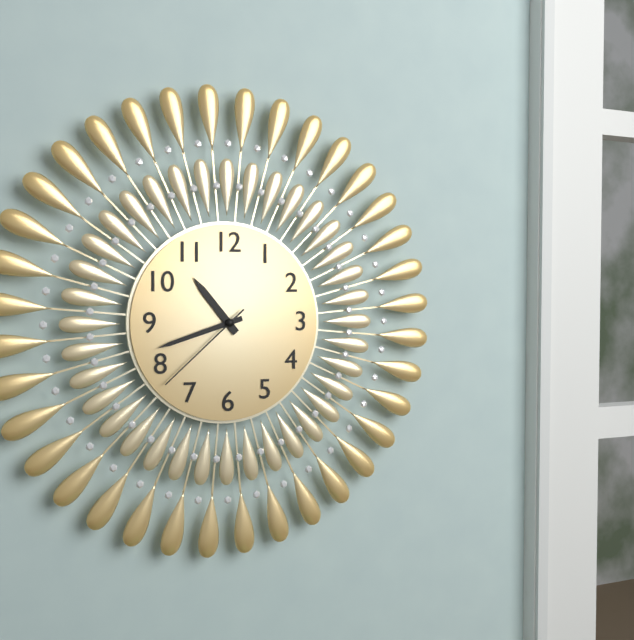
10:42:38
